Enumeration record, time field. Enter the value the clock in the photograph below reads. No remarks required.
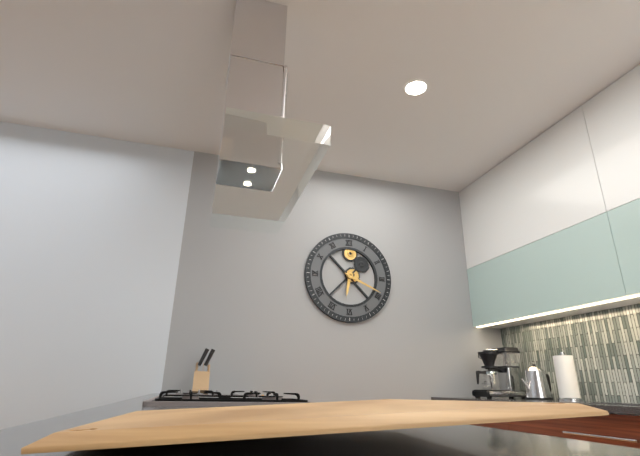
6:19
